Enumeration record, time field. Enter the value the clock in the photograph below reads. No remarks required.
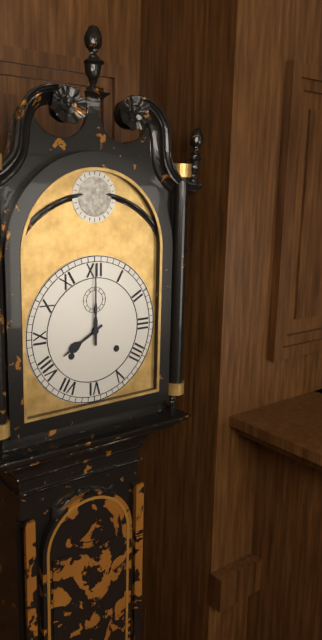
8:00
